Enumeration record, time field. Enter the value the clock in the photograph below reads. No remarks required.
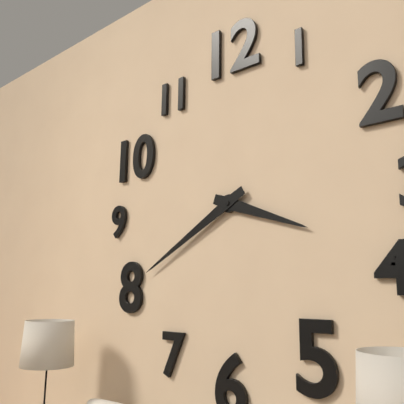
3:40
